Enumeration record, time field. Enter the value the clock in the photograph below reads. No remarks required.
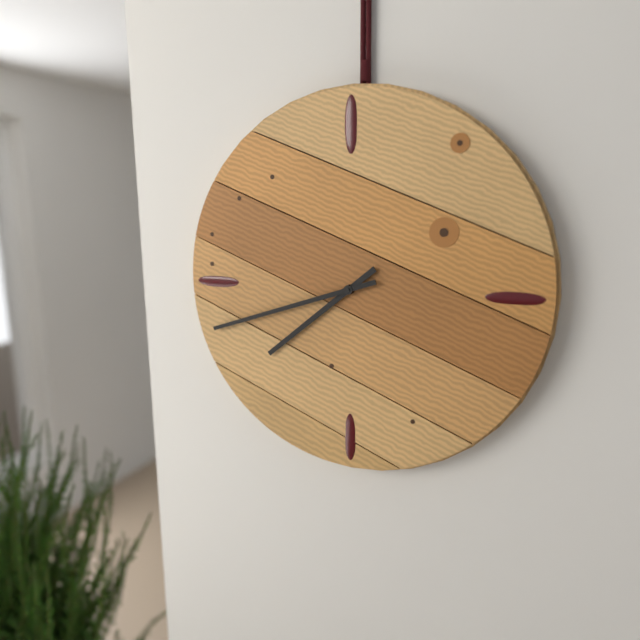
7:42
